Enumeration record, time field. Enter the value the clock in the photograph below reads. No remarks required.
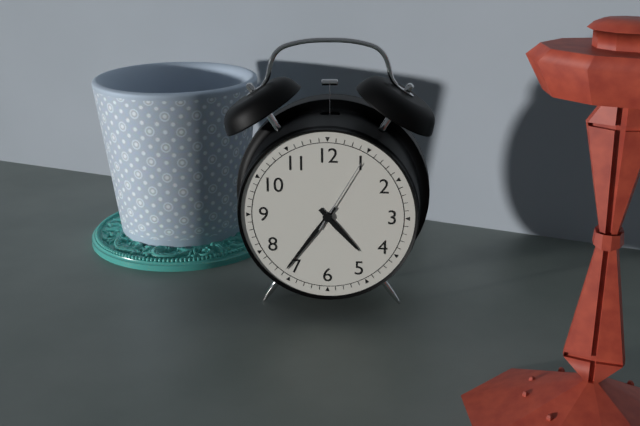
4:36:05
